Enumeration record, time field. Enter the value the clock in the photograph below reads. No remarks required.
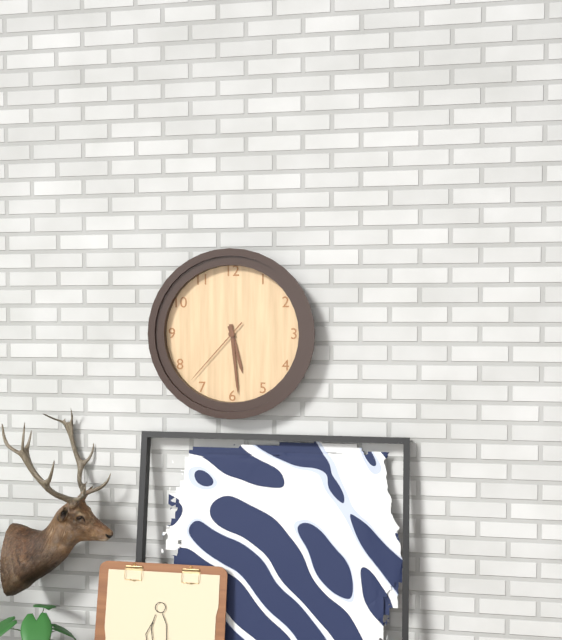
5:29:37
